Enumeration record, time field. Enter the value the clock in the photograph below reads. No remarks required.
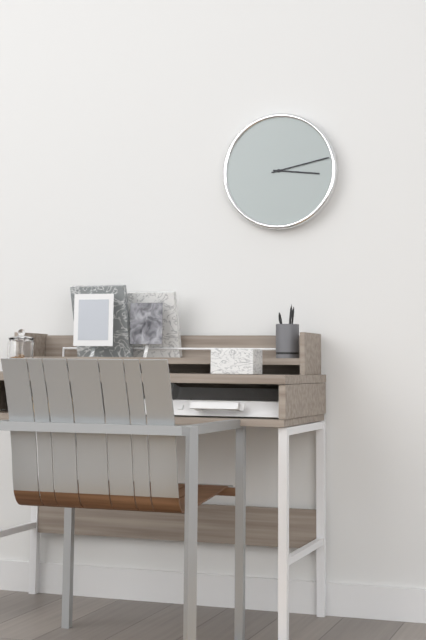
3:13
